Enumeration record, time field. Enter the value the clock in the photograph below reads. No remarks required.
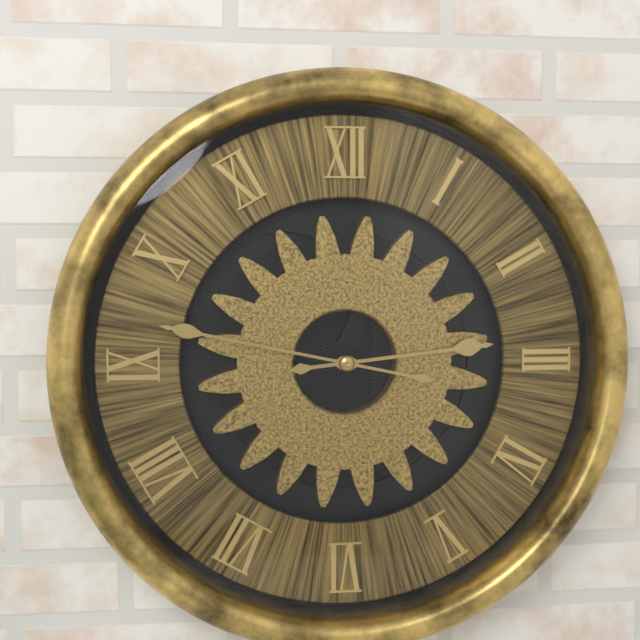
2:47
